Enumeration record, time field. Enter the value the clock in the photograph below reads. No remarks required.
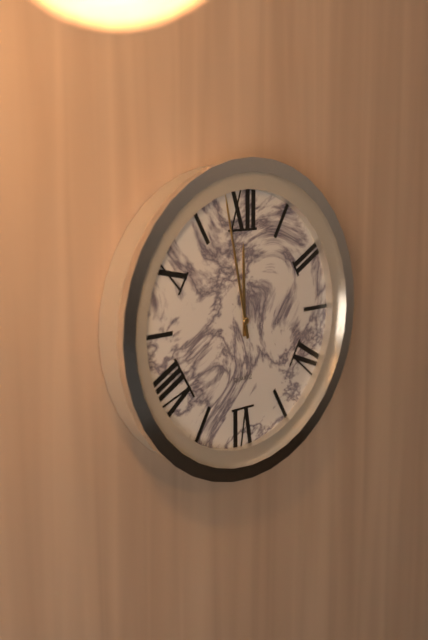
11:58
